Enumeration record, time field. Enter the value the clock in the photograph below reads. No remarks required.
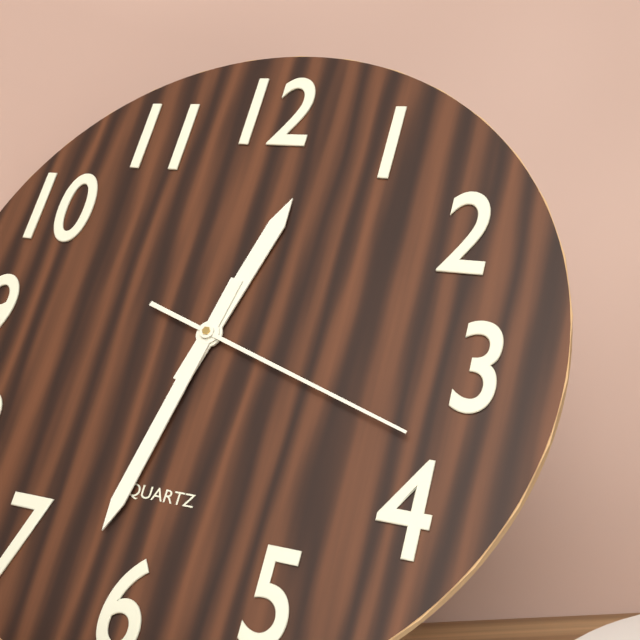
12:32:18
